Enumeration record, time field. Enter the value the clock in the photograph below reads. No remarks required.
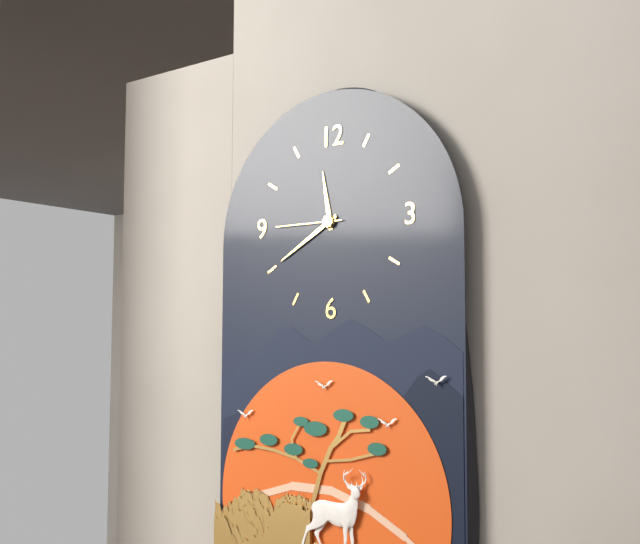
11:40:45
